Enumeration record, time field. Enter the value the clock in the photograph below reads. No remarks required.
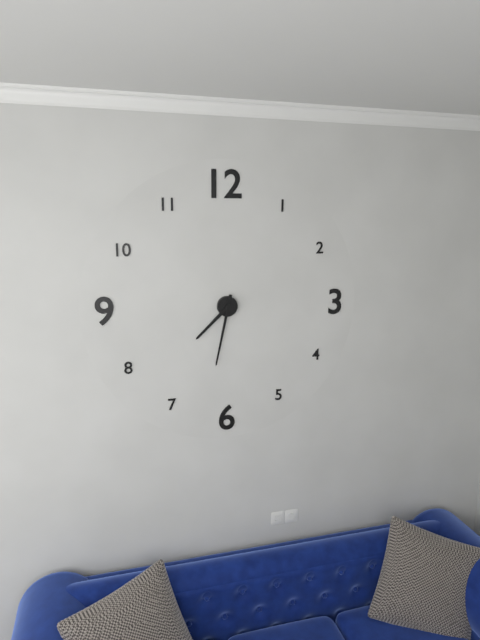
7:32
